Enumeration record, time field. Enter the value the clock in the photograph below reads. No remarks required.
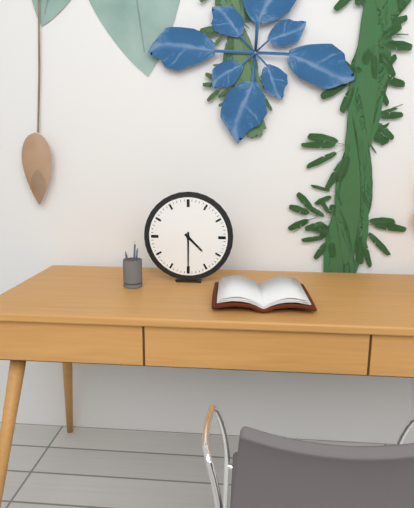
4:30
